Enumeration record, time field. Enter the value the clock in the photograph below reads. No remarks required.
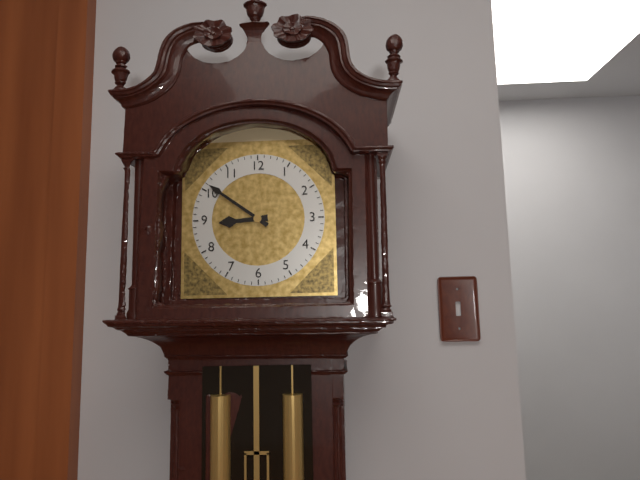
8:51
